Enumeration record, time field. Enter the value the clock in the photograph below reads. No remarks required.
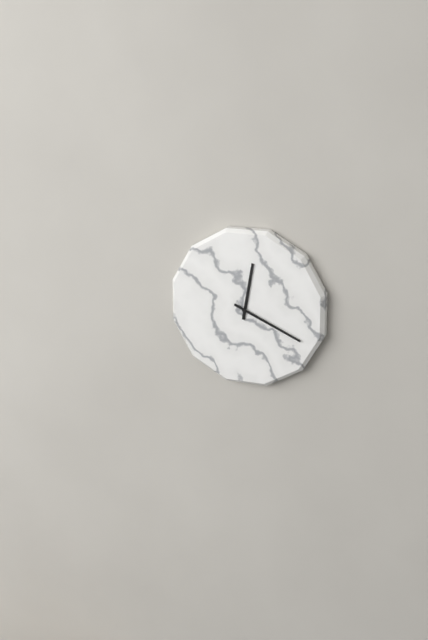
12:19
